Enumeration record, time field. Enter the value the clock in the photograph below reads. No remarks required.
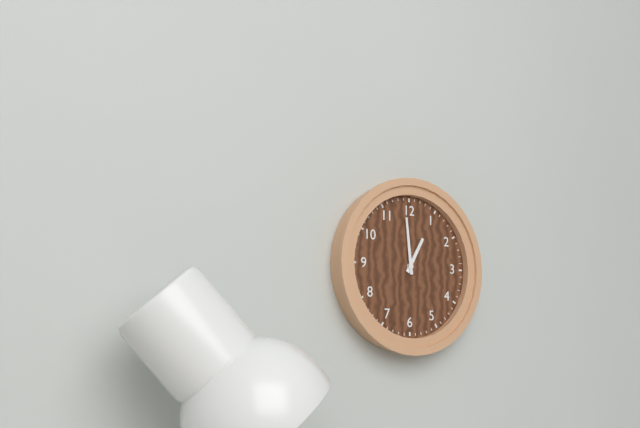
12:59
